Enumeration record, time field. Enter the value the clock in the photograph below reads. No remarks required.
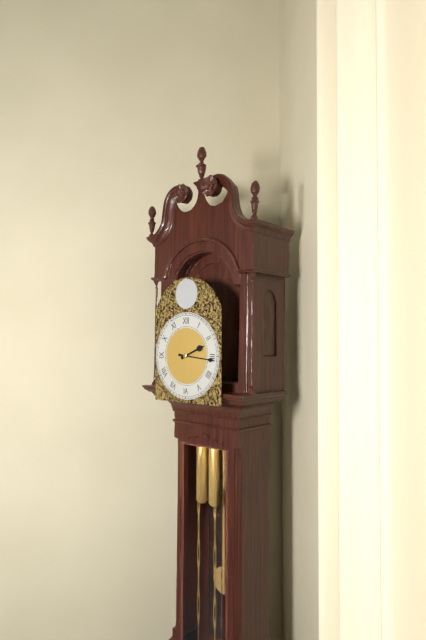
2:16
